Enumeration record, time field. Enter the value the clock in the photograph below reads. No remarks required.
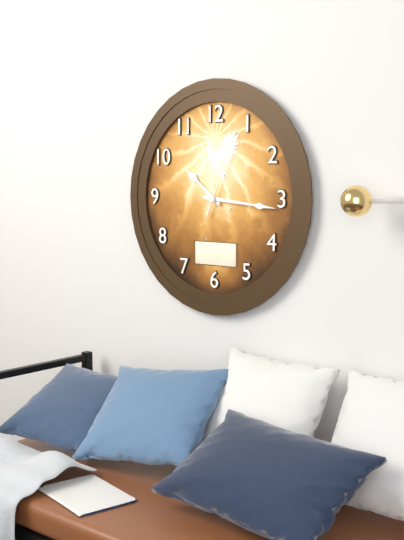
10:16:04
